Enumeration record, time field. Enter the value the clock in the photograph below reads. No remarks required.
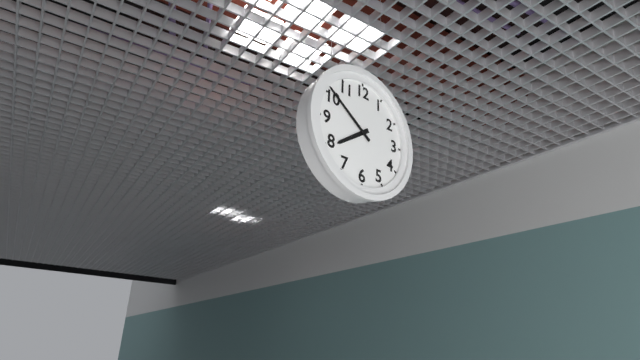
7:51
